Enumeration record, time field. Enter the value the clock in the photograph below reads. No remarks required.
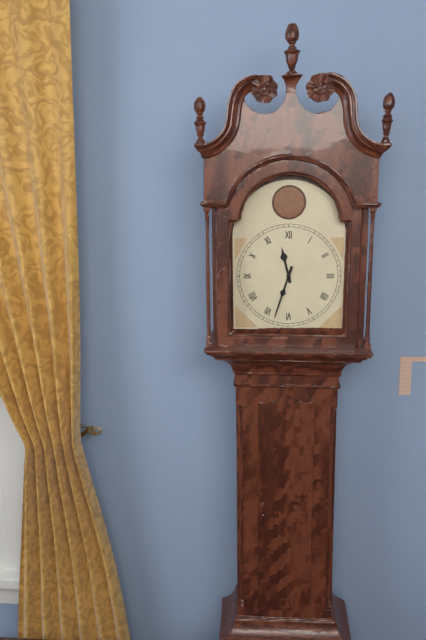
11:33
